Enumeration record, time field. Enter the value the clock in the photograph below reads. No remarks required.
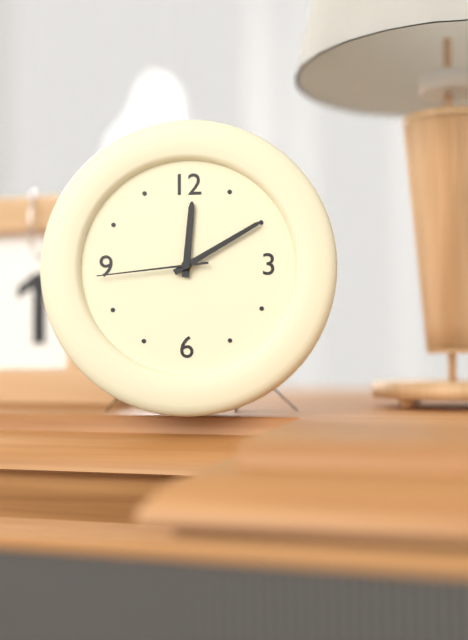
12:10:44
